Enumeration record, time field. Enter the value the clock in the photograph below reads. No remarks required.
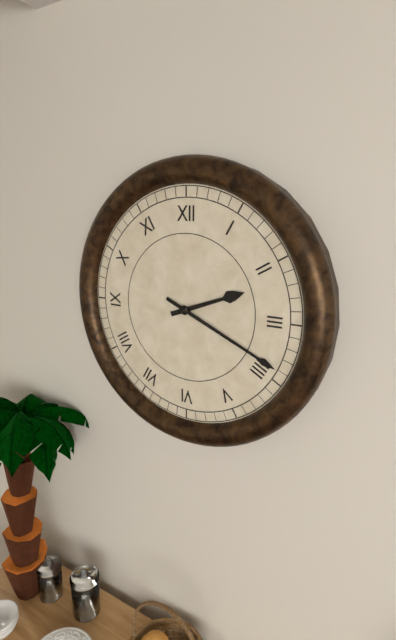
2:19
